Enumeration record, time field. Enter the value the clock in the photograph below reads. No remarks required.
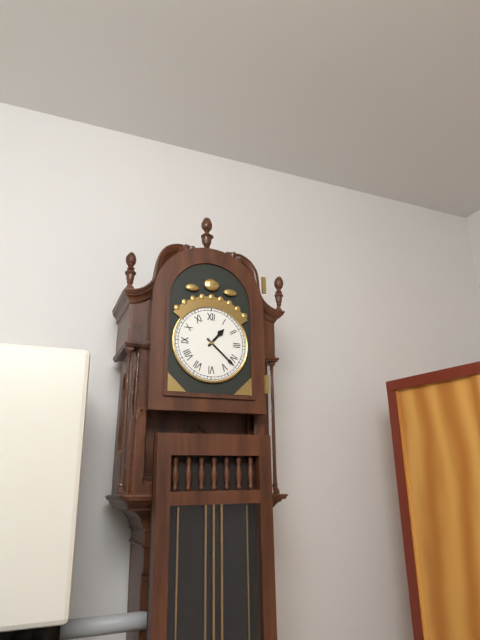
1:22
